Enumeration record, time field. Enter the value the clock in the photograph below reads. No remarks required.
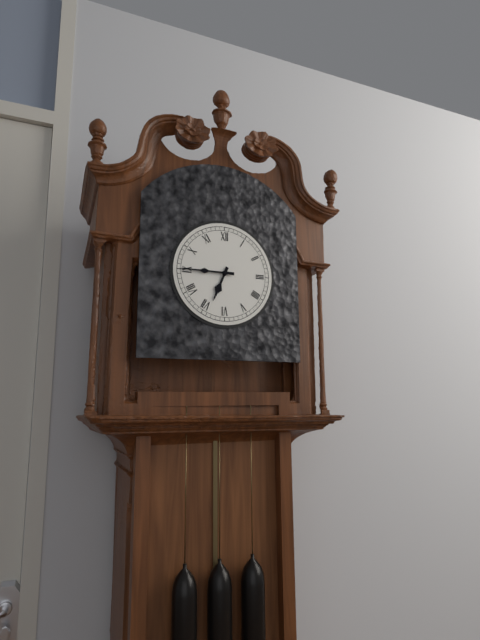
6:45
